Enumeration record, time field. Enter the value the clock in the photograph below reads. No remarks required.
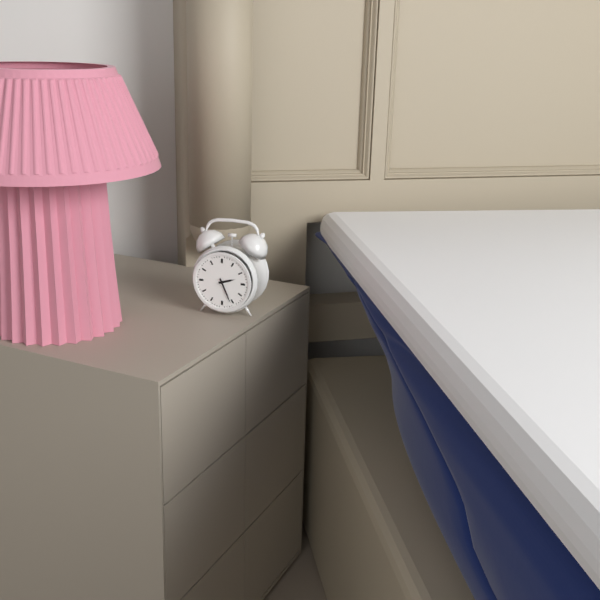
2:26
